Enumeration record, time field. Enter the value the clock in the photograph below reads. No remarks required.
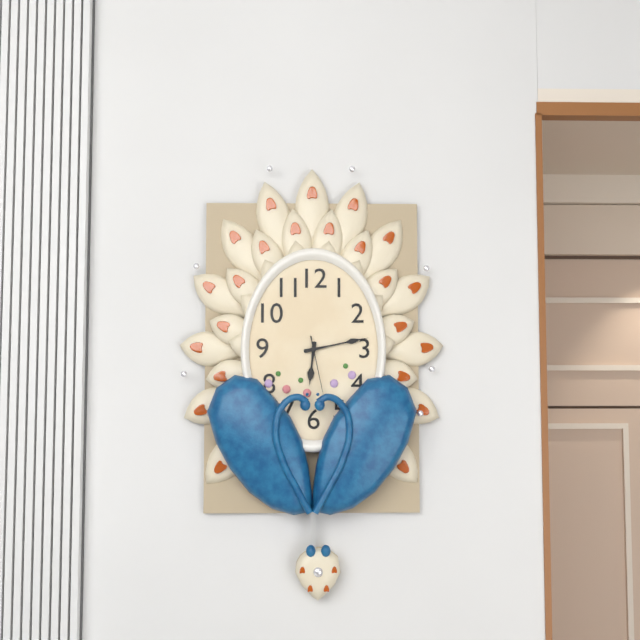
6:13:28
